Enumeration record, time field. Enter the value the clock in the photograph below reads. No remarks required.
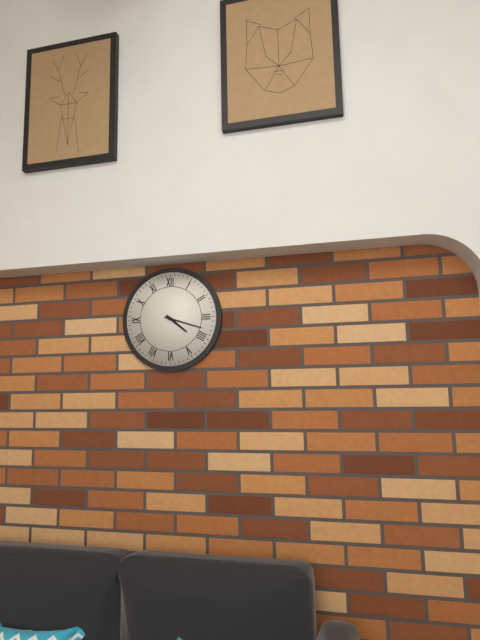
4:18
